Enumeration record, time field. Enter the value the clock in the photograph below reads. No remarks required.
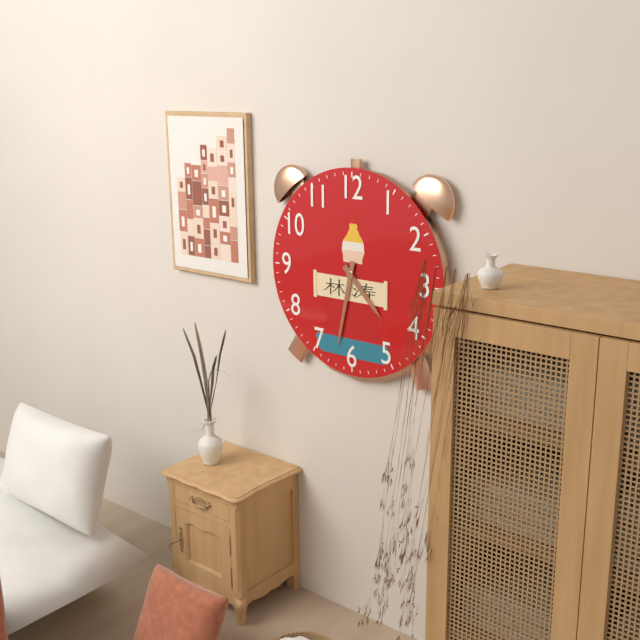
4:32
